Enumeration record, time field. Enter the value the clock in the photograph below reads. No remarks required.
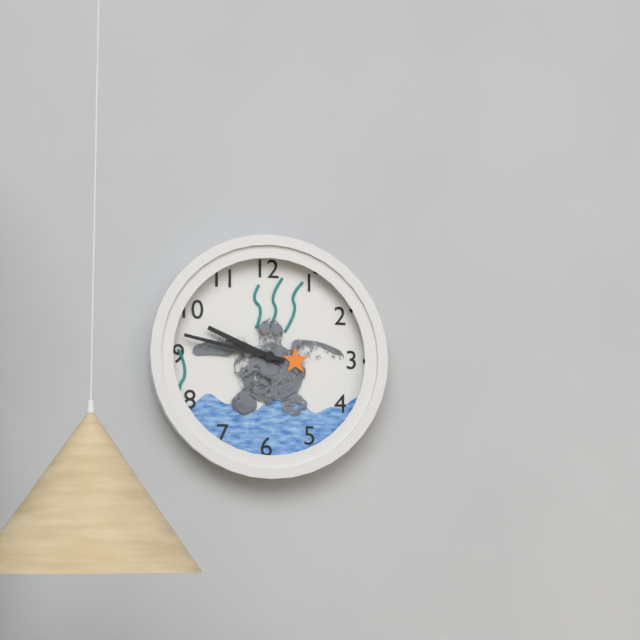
9:47
